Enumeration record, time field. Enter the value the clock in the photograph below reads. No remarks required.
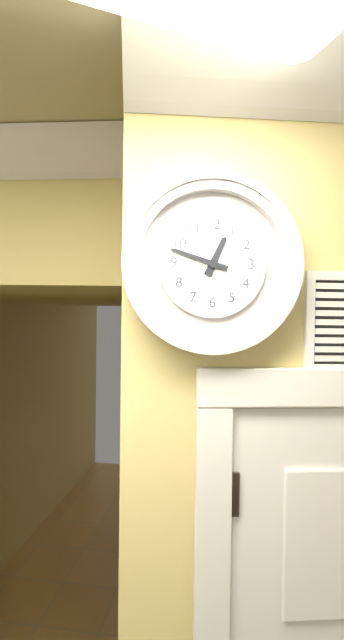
12:48
